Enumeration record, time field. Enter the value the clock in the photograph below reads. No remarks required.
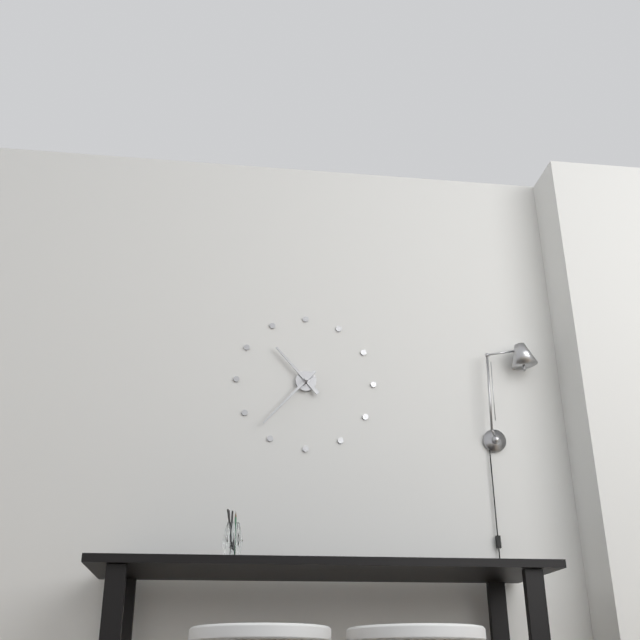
10:37
